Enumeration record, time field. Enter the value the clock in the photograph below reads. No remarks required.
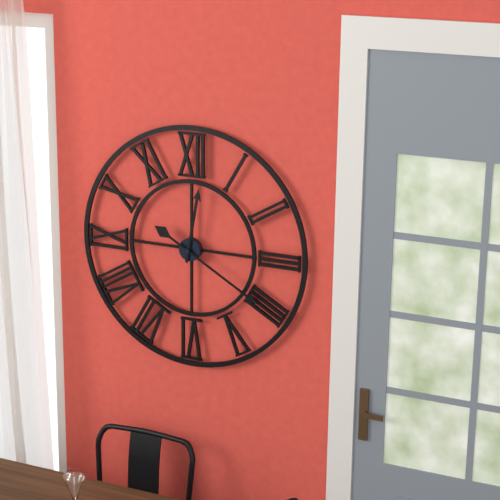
12:20
